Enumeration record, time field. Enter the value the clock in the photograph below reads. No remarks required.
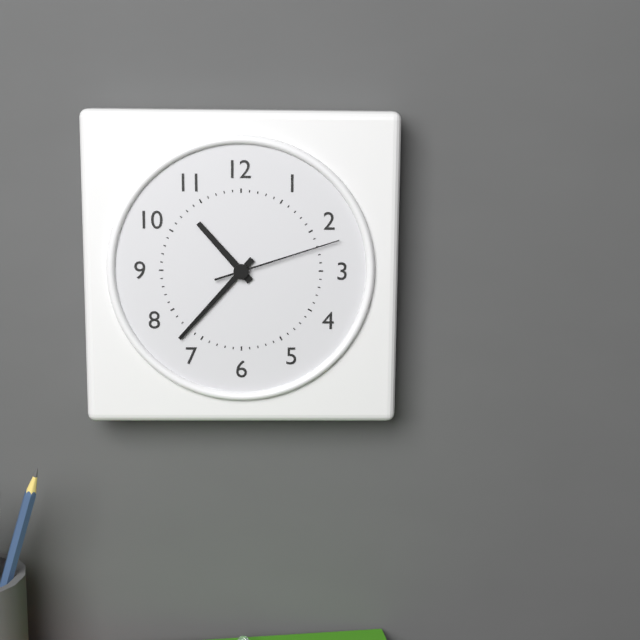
10:37:12
